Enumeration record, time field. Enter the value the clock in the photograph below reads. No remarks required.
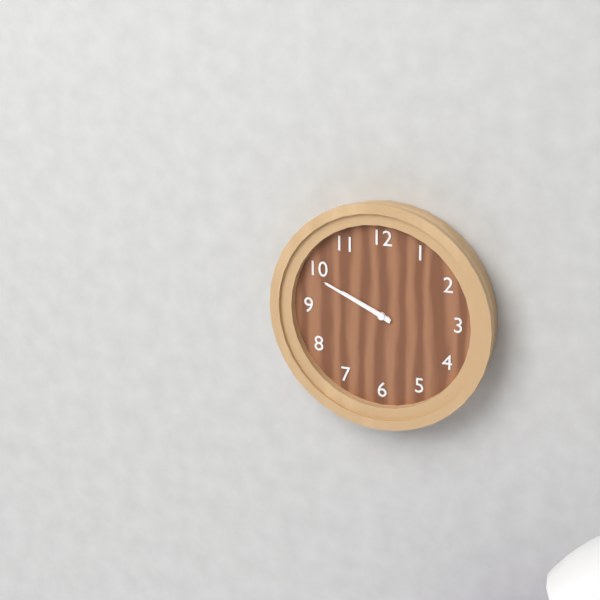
9:49
